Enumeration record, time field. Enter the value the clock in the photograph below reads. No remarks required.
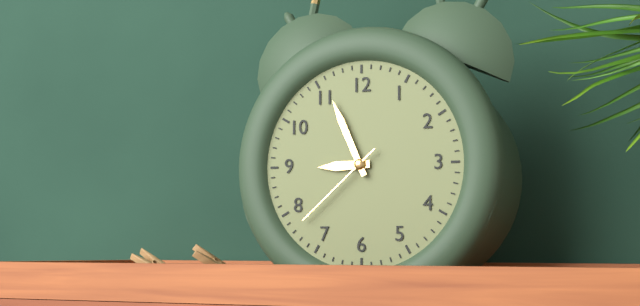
8:56:38
